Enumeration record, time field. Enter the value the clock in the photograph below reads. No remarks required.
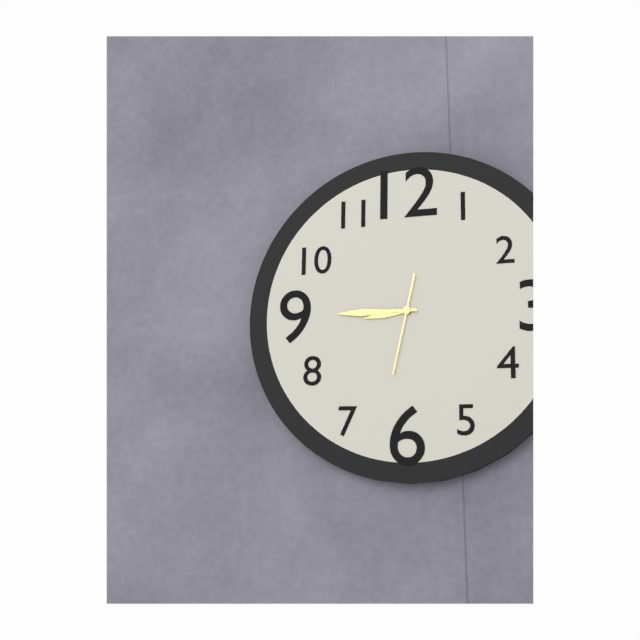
8:45:32
